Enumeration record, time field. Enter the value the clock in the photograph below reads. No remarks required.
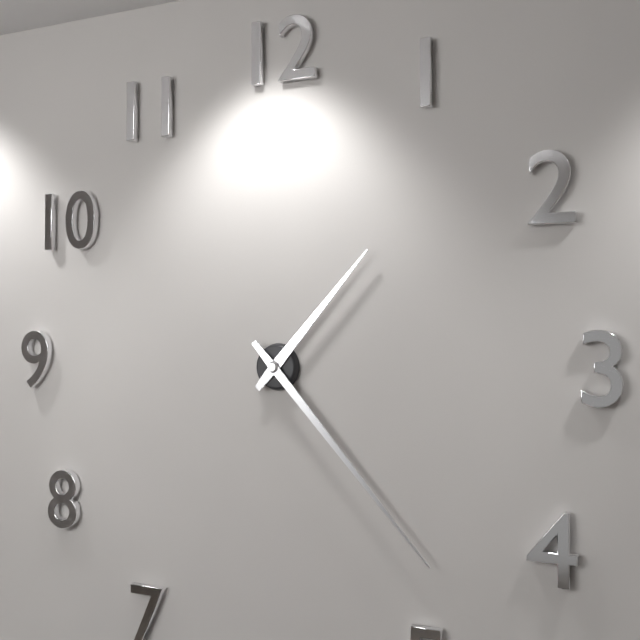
1:23
